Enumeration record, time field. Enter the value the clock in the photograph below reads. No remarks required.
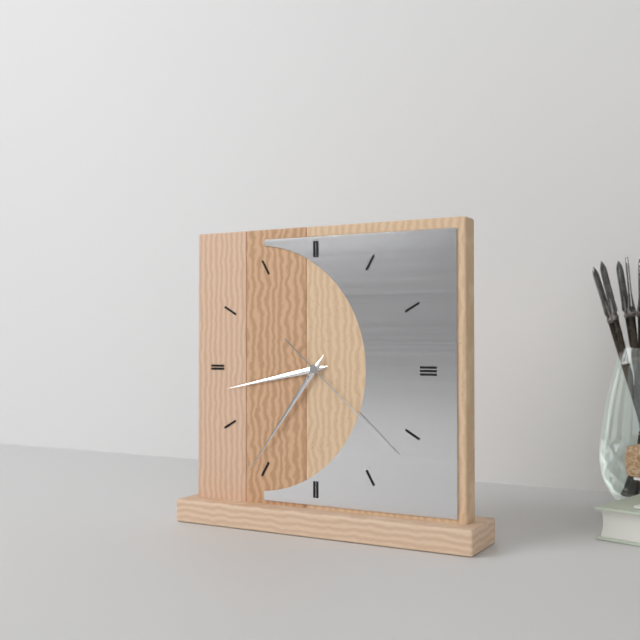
8:36:22
